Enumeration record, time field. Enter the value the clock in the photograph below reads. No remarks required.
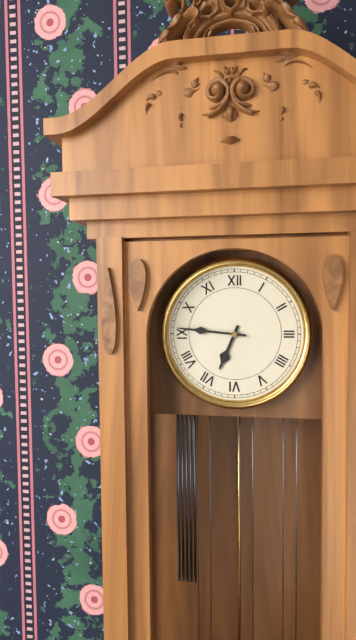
6:46
